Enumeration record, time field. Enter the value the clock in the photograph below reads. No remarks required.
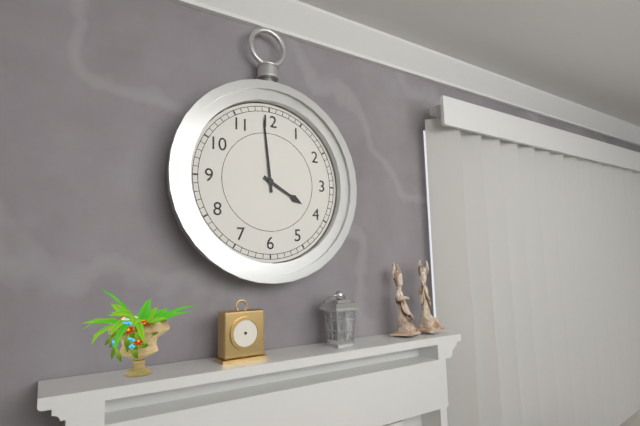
3:59
